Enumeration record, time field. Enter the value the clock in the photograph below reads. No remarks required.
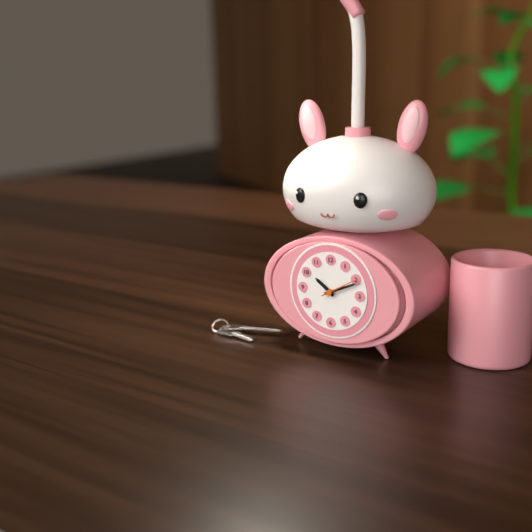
10:11
